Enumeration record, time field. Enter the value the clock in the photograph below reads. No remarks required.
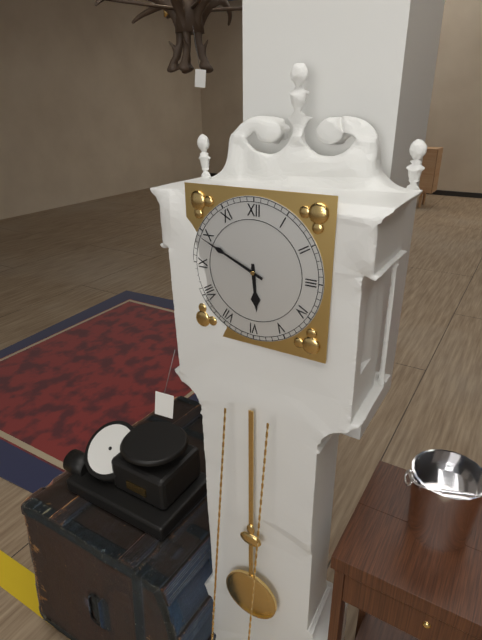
5:49
